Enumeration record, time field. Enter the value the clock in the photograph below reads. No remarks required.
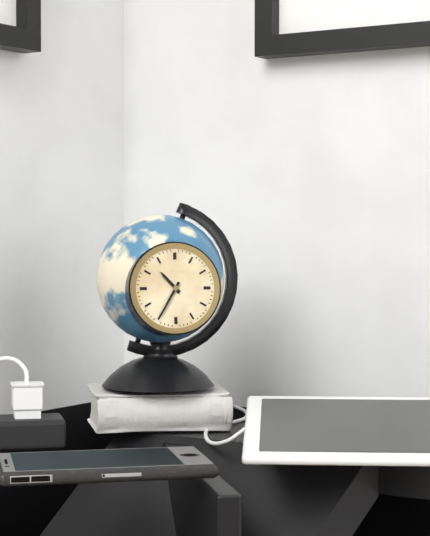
10:35
